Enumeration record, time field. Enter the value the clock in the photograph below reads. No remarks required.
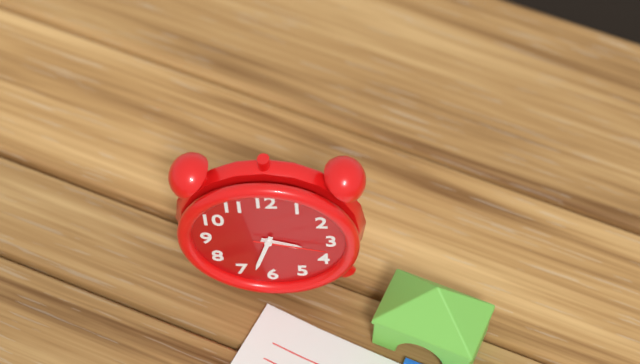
3:33:17
